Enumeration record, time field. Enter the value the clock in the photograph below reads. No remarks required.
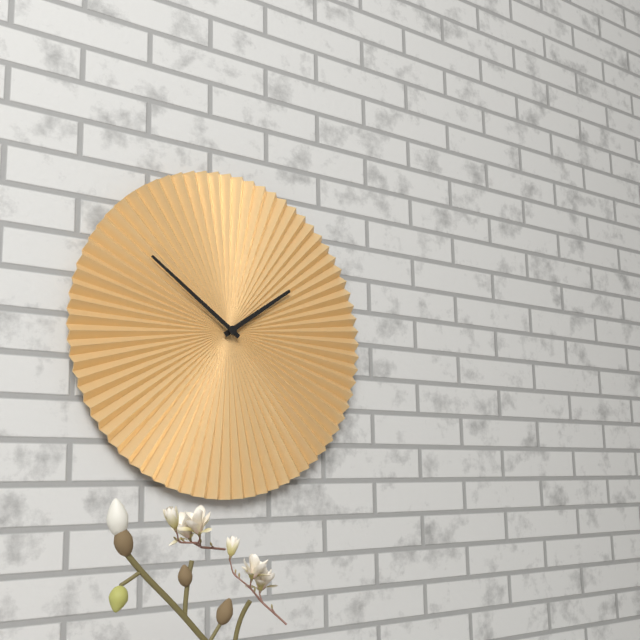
1:51
